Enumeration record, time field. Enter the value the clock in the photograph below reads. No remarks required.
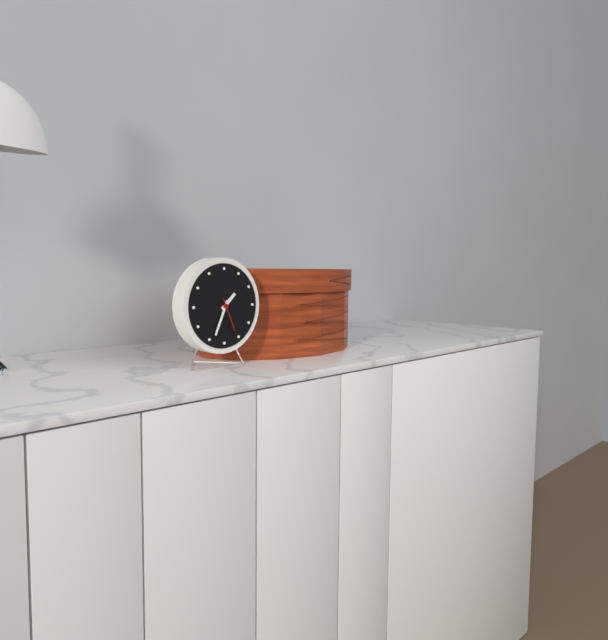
1:34
